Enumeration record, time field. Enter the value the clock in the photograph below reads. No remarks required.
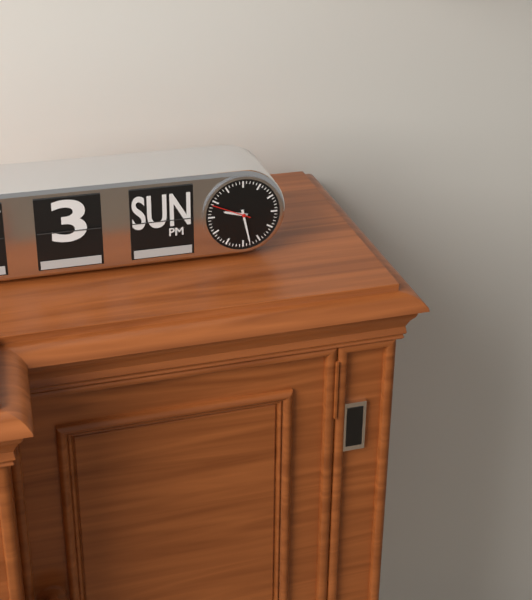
9:28
